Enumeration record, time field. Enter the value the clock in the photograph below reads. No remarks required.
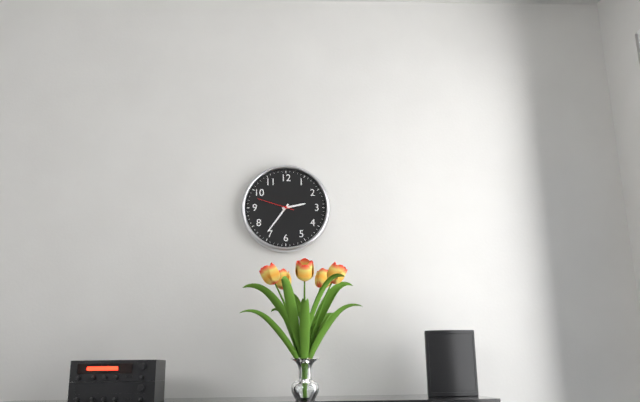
2:36
